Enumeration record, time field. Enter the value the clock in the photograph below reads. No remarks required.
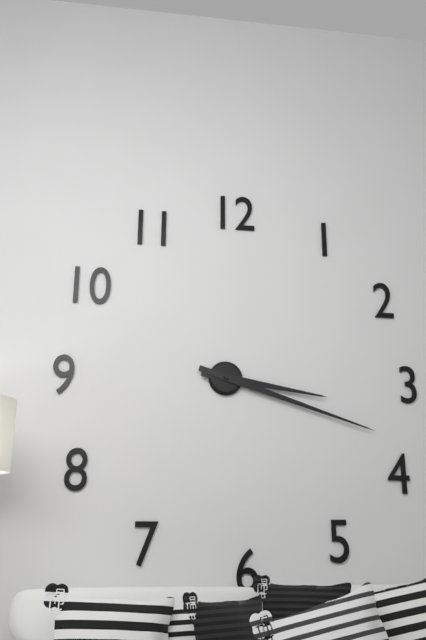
3:18
